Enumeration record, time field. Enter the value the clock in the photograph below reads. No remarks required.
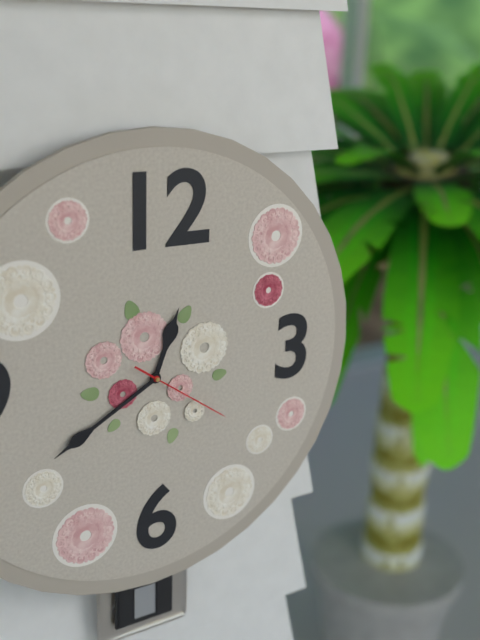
12:40:21
